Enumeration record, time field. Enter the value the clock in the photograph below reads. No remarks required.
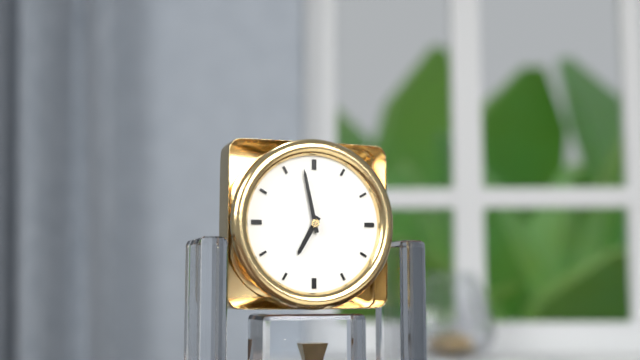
6:58
